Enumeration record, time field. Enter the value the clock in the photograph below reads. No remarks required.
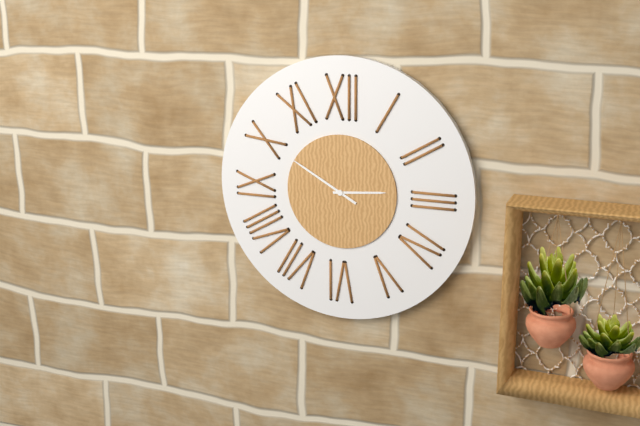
2:50
